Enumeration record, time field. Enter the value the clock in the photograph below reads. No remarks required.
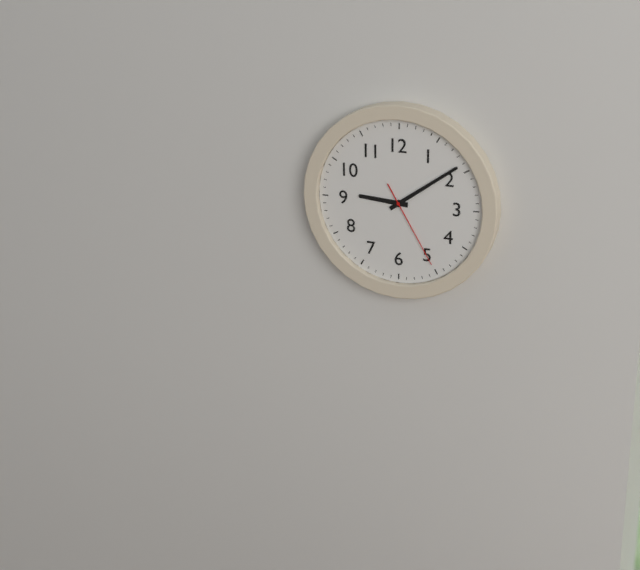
9:09:25
